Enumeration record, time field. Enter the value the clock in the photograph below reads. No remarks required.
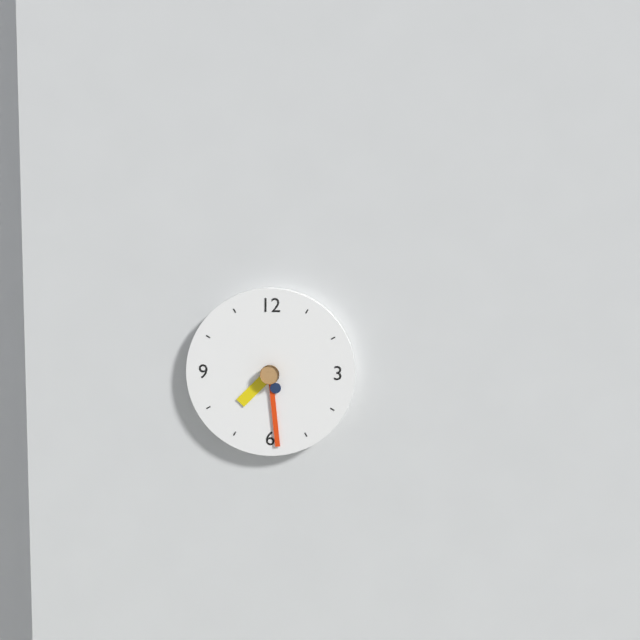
7:29
